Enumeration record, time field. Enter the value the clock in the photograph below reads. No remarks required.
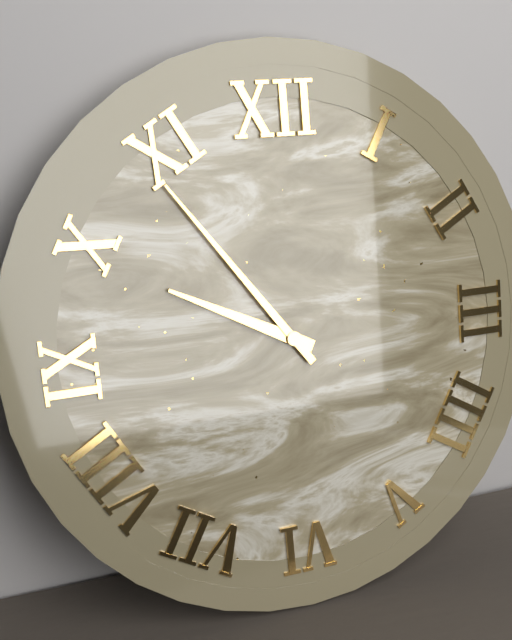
9:54
